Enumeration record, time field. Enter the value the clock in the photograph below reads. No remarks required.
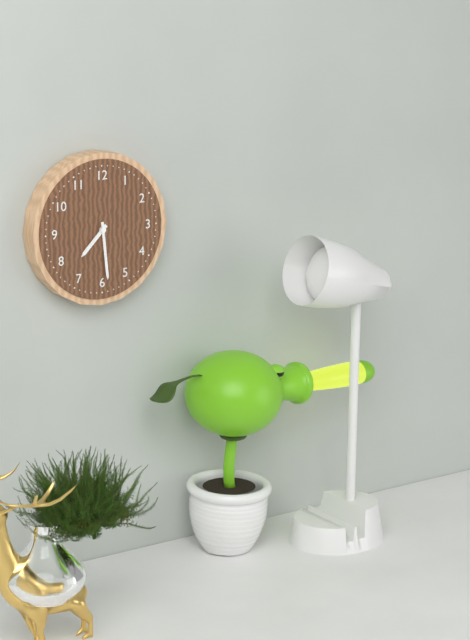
7:29
